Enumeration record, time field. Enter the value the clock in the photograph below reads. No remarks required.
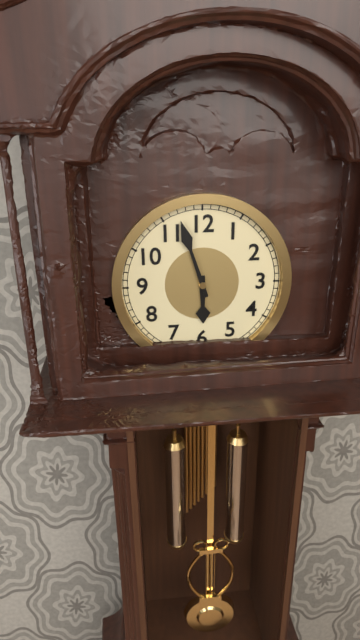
5:57
